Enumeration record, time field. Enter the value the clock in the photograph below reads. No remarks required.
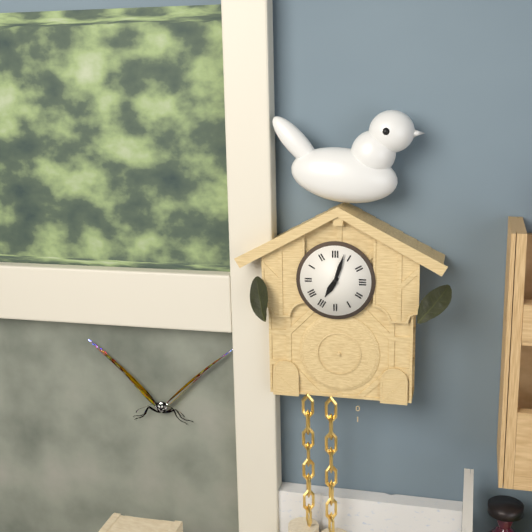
7:03
